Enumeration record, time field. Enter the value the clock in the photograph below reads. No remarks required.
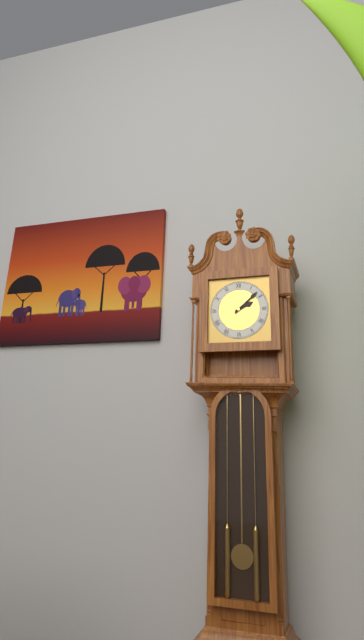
2:08
